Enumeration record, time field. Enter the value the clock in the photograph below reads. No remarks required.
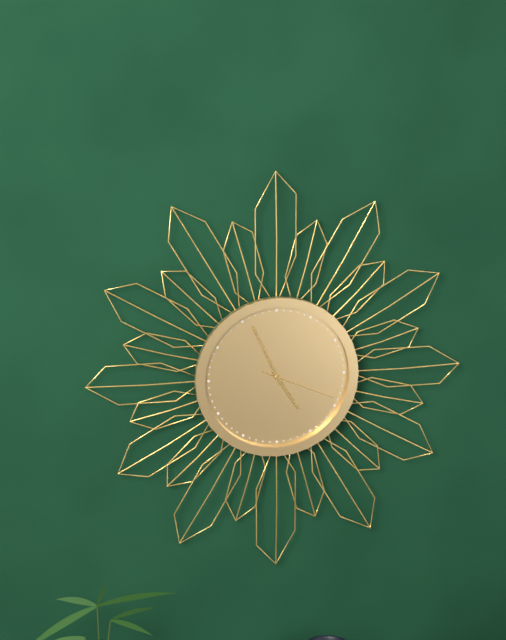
4:56:19
